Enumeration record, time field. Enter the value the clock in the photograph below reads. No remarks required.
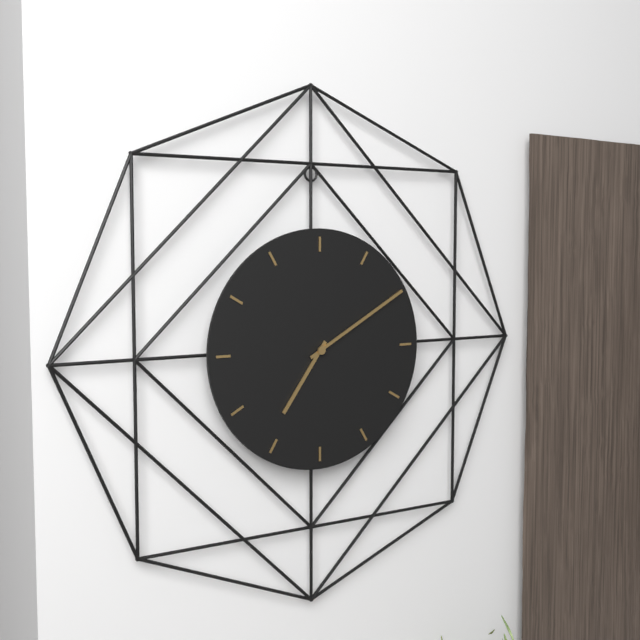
7:10
